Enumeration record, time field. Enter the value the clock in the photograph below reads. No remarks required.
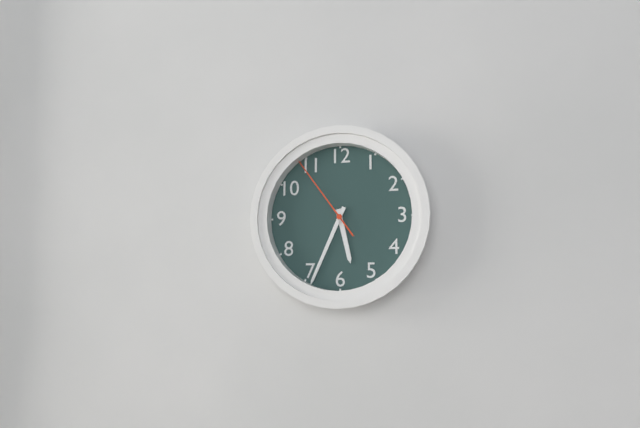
5:34:54
